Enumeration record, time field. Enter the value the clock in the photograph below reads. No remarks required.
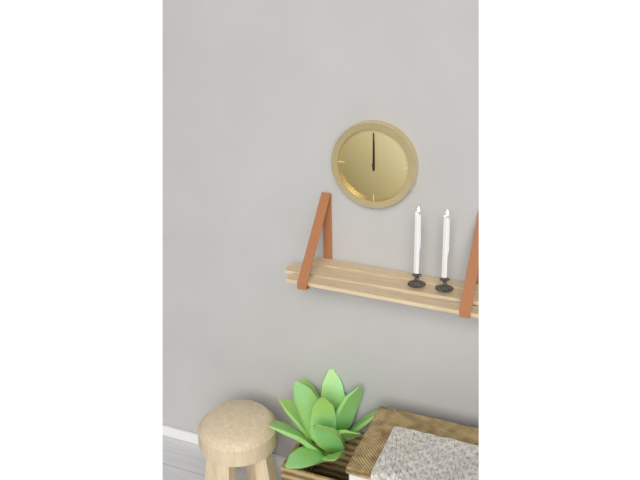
12:00
